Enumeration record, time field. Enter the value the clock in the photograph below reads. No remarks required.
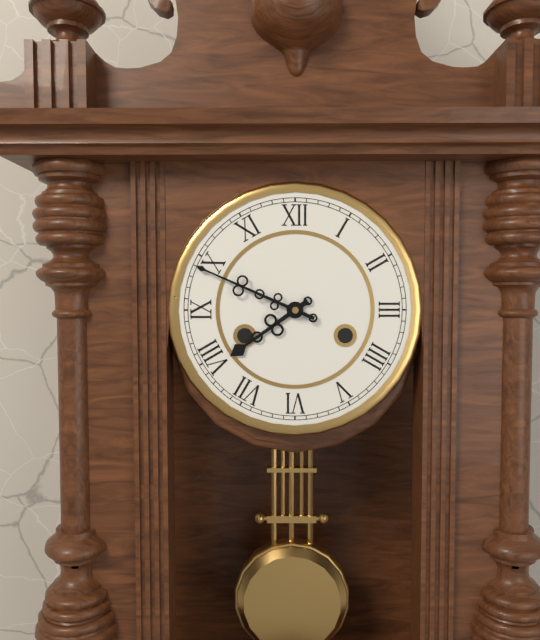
7:49
